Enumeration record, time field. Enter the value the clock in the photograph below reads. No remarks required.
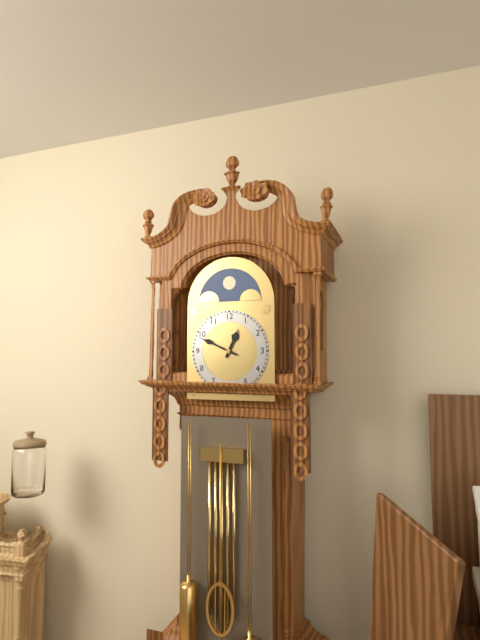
12:49
